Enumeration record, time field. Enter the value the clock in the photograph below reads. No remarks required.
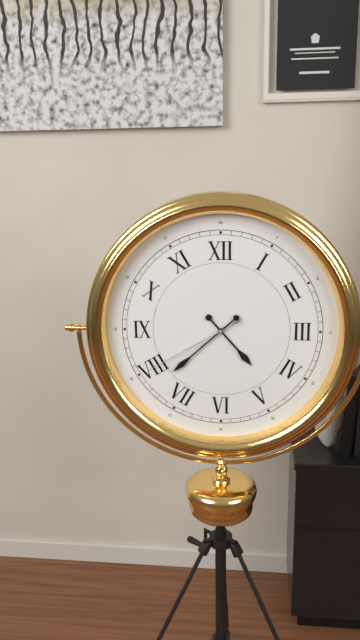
4:38:40
